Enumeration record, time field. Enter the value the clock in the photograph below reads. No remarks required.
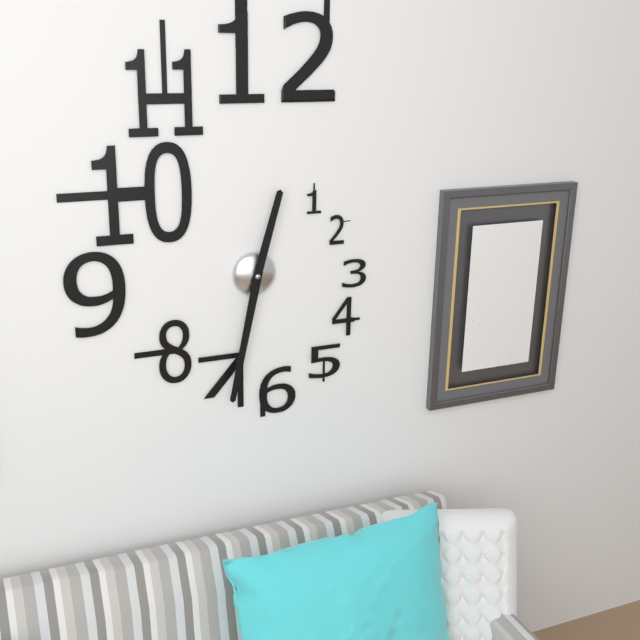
12:32
